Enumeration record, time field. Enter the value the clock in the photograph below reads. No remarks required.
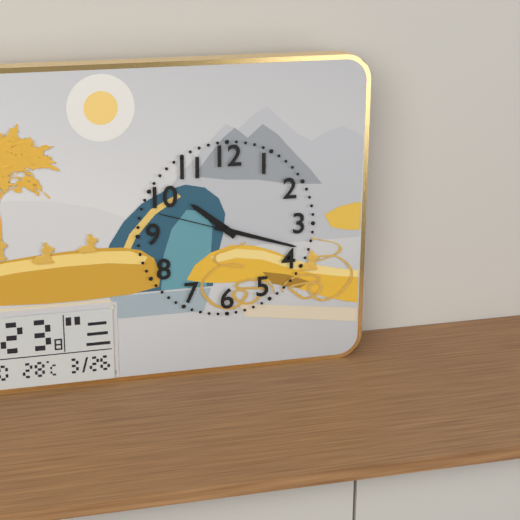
10:18:48
